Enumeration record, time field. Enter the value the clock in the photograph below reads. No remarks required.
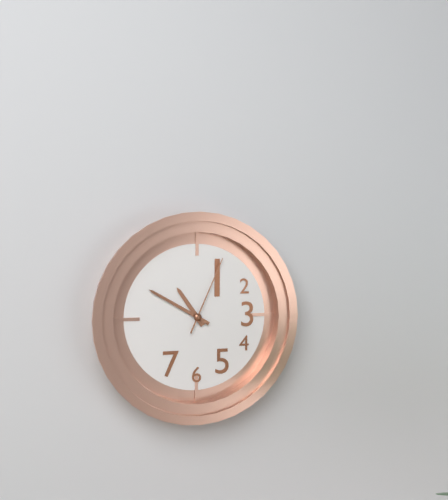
10:50:04
